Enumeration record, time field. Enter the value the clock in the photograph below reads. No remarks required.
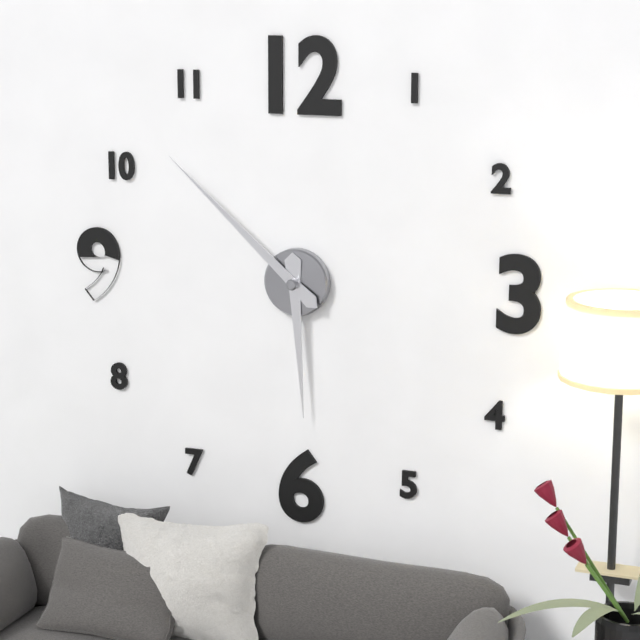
5:52
